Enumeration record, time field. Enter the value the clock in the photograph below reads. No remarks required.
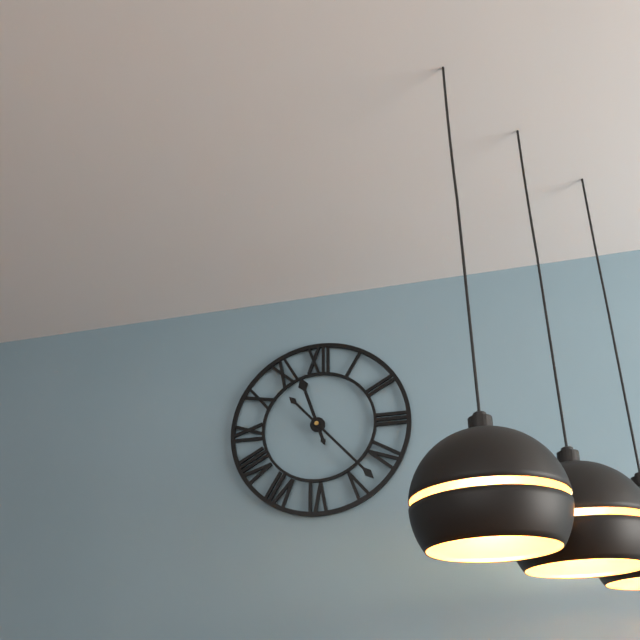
11:23
